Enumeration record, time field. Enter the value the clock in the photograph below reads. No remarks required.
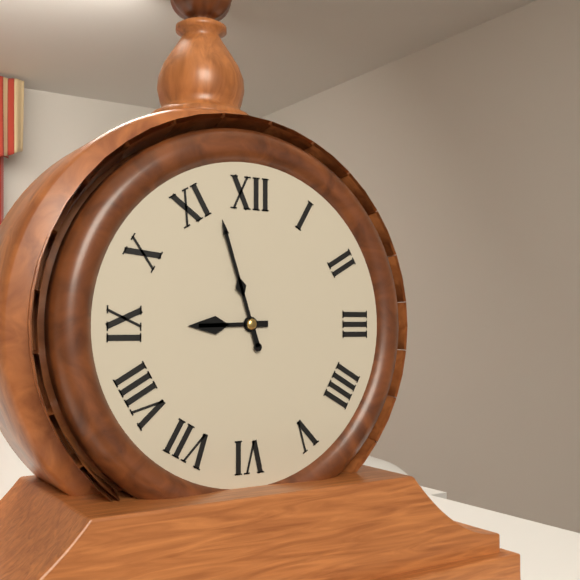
8:57
